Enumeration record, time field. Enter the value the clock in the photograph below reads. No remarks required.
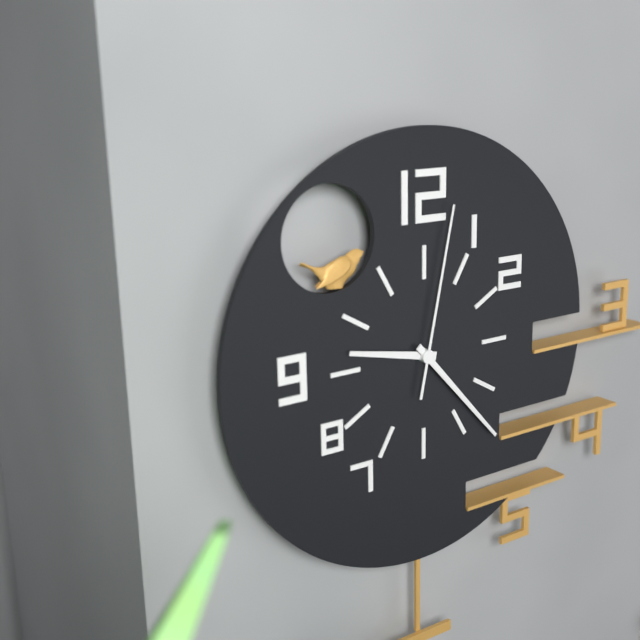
9:23:02
